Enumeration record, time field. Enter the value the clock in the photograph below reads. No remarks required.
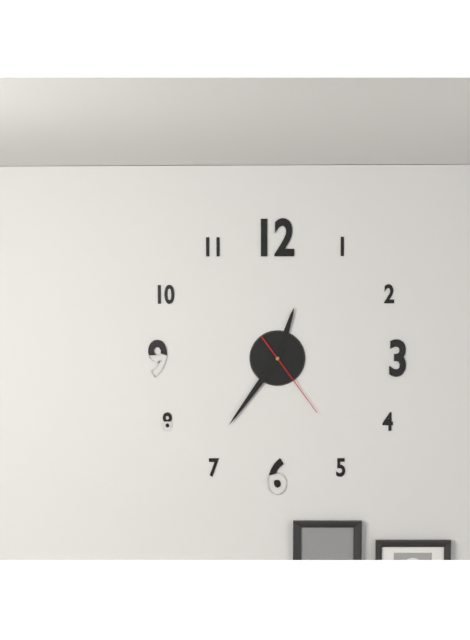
12:36:24
